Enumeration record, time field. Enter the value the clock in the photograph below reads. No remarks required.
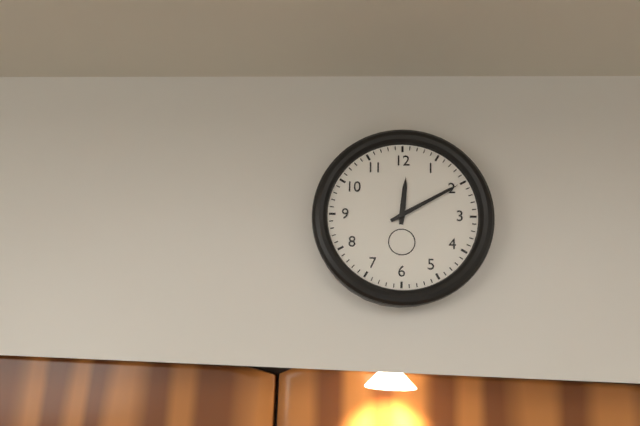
12:10
